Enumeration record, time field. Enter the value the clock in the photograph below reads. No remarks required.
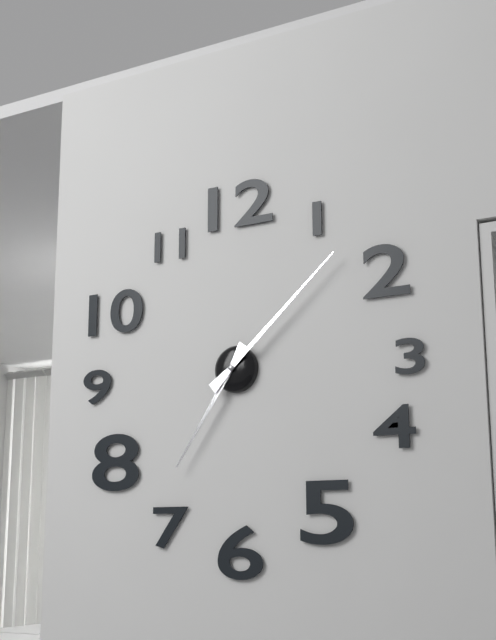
7:08
